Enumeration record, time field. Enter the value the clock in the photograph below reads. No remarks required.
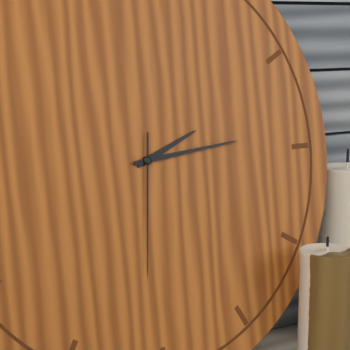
2:14:31
